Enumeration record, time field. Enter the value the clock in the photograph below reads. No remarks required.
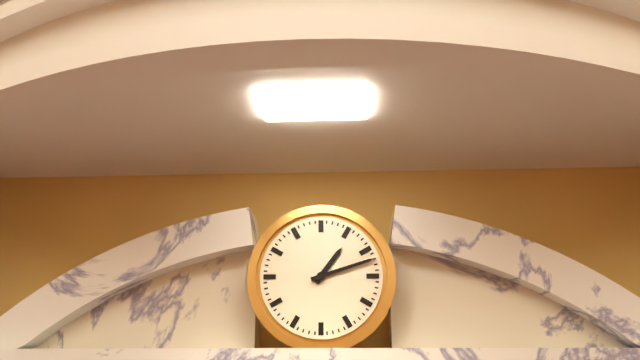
1:12
